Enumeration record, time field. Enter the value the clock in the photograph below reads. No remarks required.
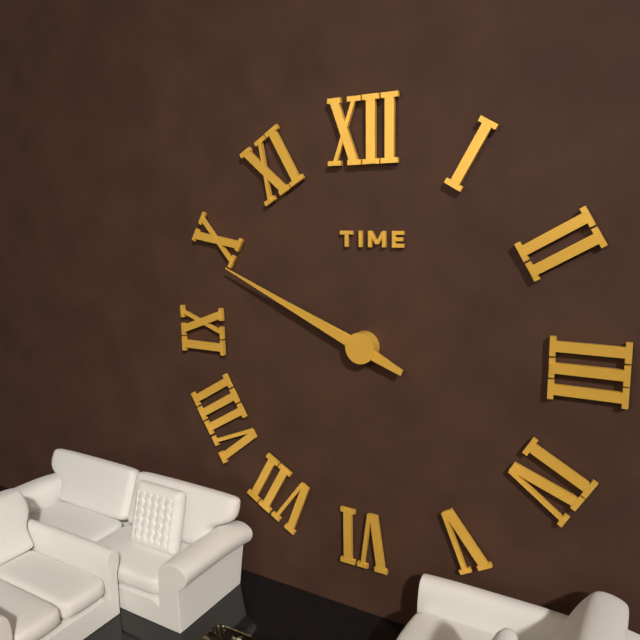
9:49
